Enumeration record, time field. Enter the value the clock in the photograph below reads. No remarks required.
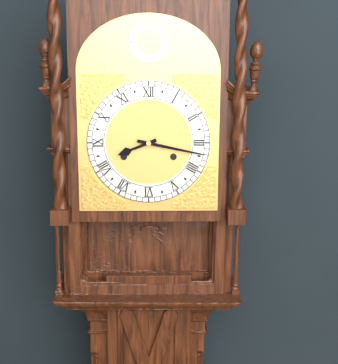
8:17
